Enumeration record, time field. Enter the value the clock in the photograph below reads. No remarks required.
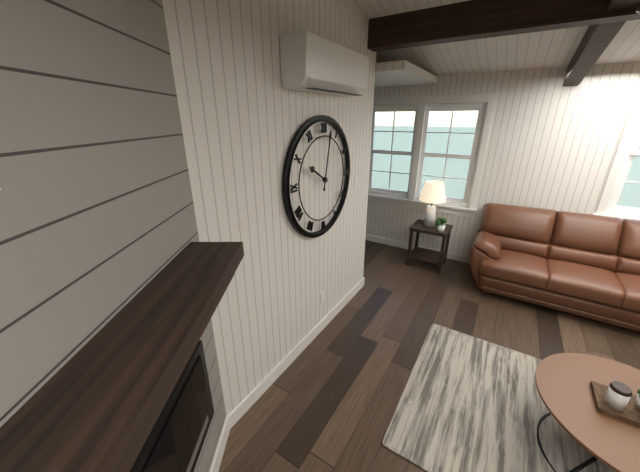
10:02
